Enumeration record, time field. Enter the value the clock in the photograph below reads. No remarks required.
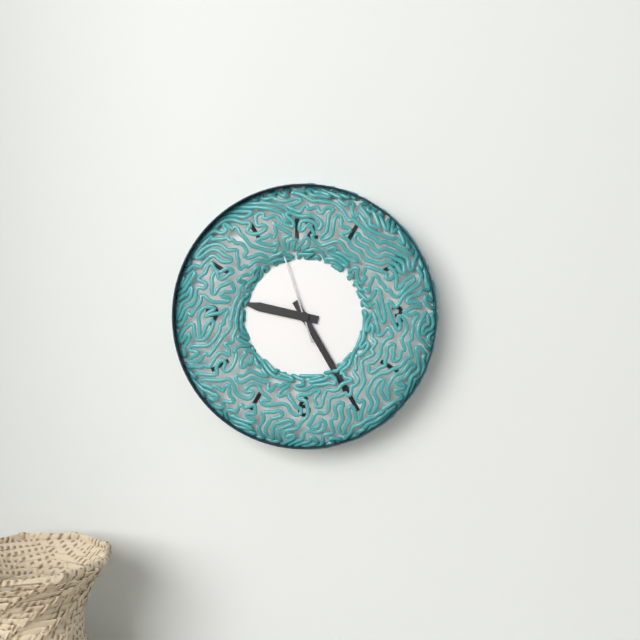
9:25:57
